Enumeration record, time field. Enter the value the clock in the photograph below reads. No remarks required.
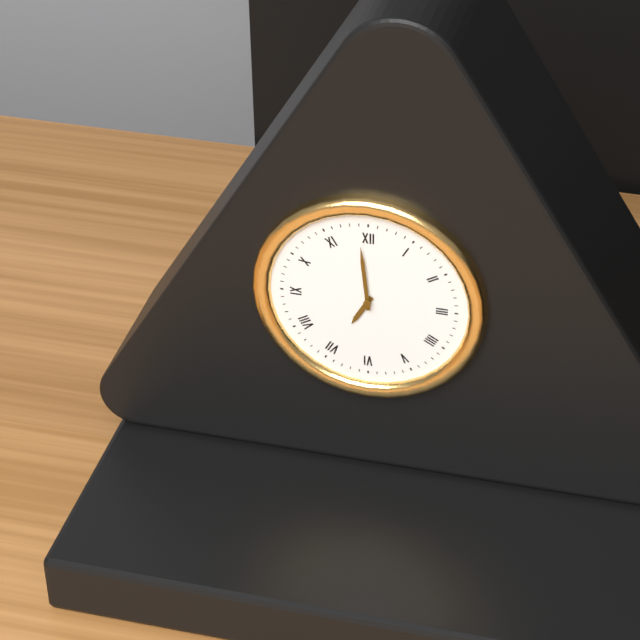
6:59
